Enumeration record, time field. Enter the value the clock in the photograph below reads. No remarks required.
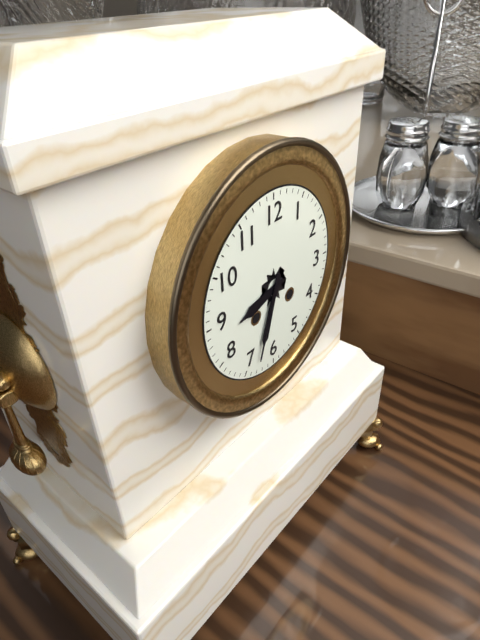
8:33
